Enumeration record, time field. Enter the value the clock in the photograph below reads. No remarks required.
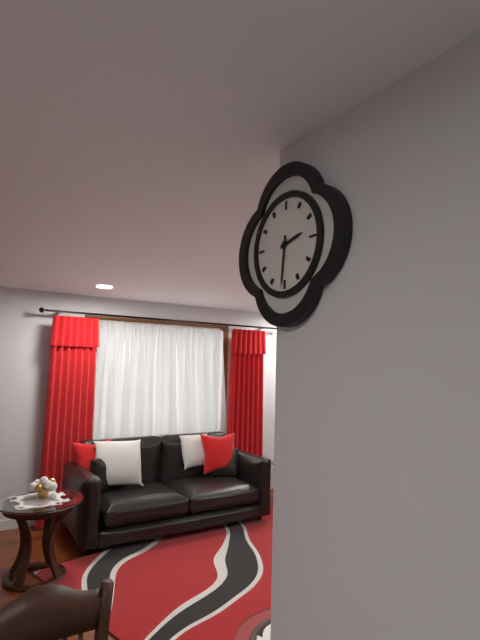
2:31
